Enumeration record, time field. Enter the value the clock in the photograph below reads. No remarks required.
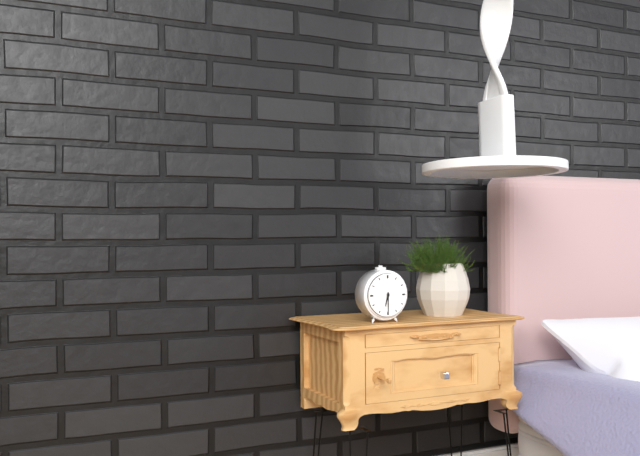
6:30
